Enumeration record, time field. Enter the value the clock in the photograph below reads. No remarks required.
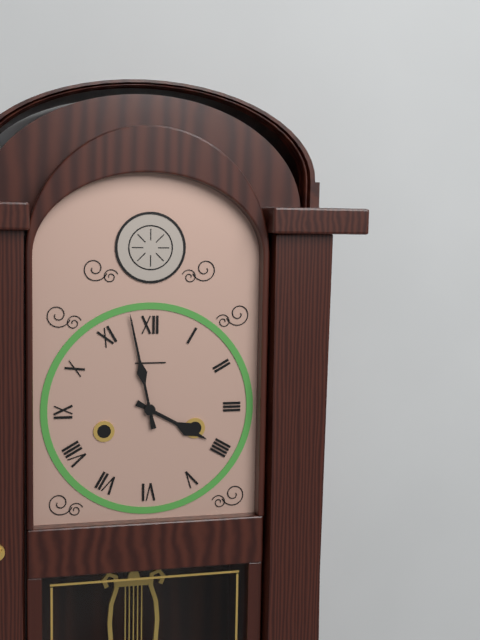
3:58
